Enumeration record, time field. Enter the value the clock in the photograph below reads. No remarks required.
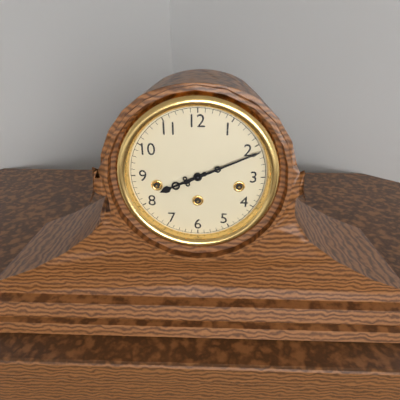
8:11
